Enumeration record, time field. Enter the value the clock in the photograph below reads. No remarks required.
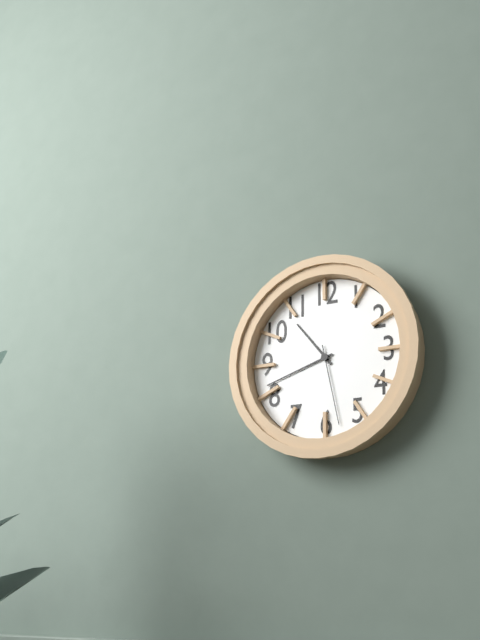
10:42:28
